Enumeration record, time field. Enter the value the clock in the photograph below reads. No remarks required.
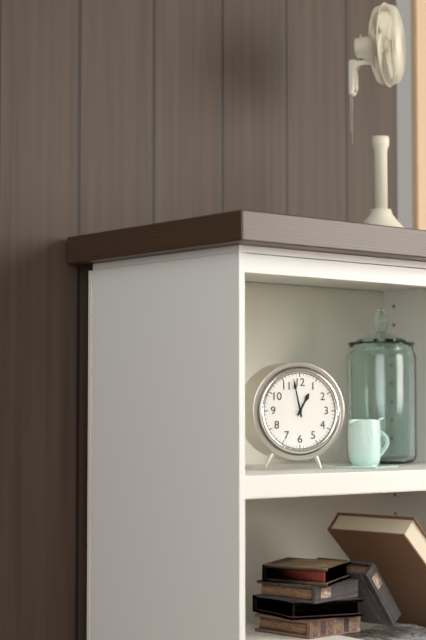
12:58
